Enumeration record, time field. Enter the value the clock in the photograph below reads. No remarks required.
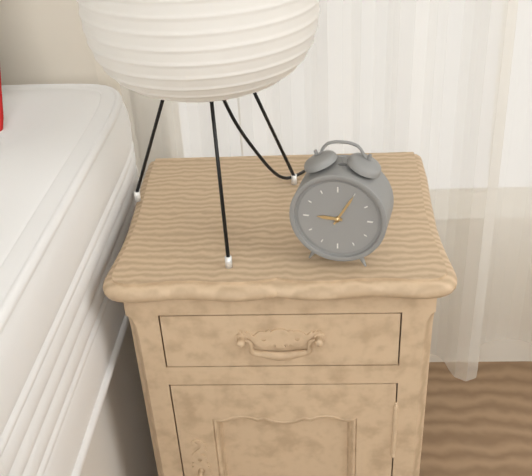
9:05
